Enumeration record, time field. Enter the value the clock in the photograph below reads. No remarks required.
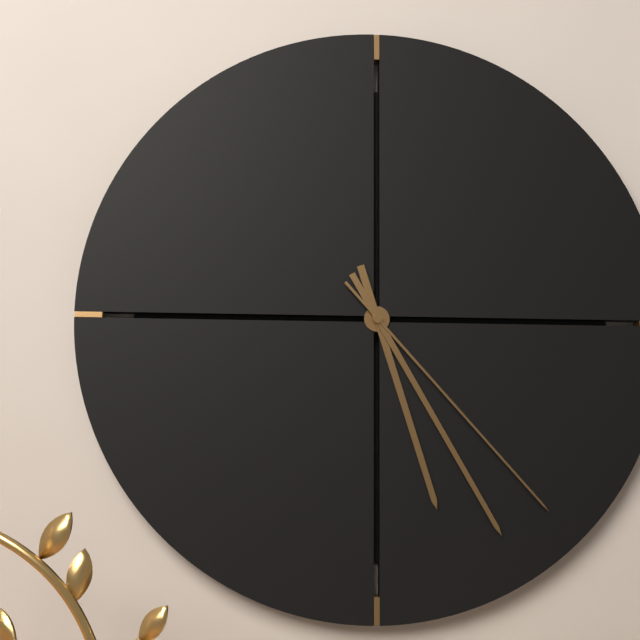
5:25:23
